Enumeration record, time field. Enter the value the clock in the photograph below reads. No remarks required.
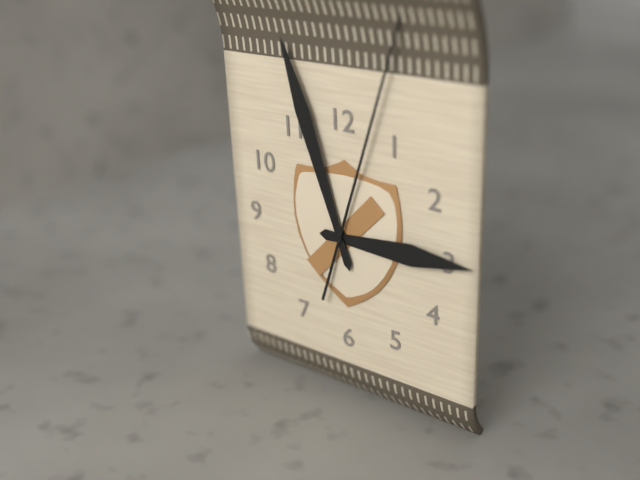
2:57:03
